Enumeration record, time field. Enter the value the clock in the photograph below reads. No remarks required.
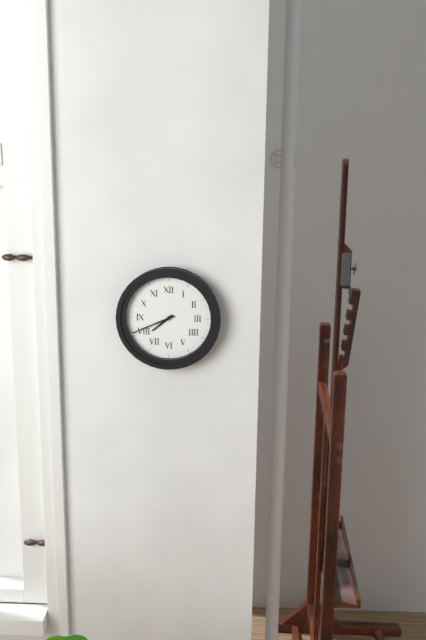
7:41
